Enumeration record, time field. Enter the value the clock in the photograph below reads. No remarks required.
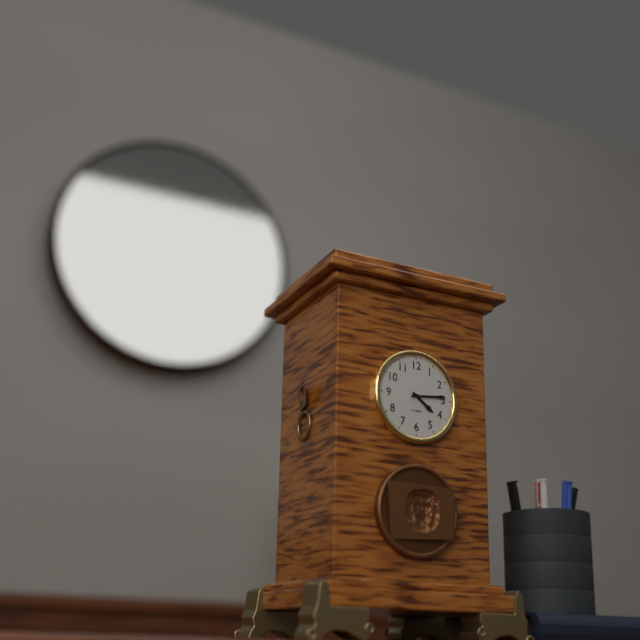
4:14
